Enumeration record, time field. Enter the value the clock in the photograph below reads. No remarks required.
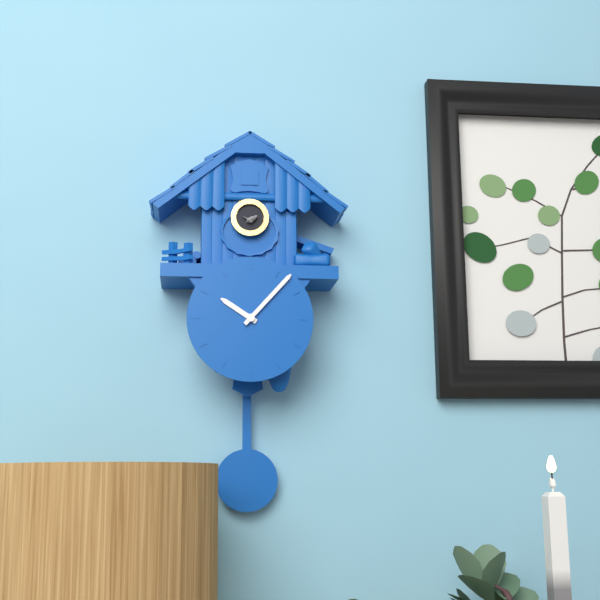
10:07
